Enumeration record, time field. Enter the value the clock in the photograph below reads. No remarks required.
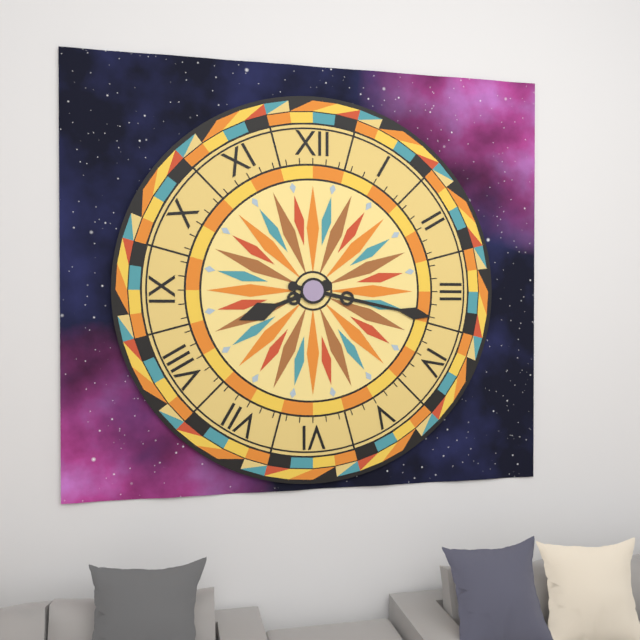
8:17
